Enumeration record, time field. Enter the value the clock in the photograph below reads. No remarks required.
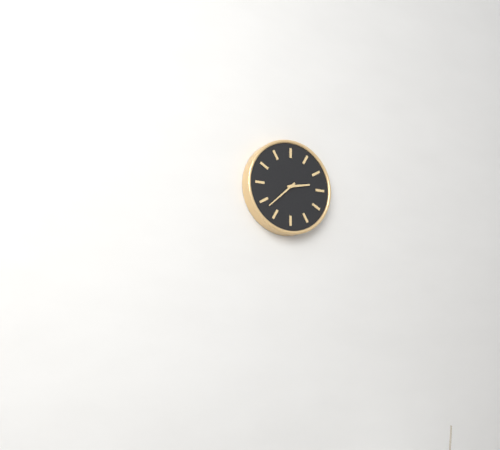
2:38
